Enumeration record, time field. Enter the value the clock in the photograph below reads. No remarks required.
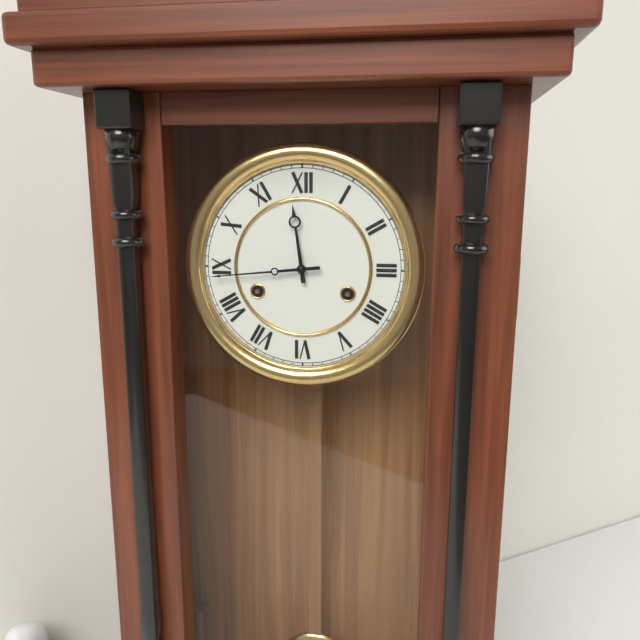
11:44
